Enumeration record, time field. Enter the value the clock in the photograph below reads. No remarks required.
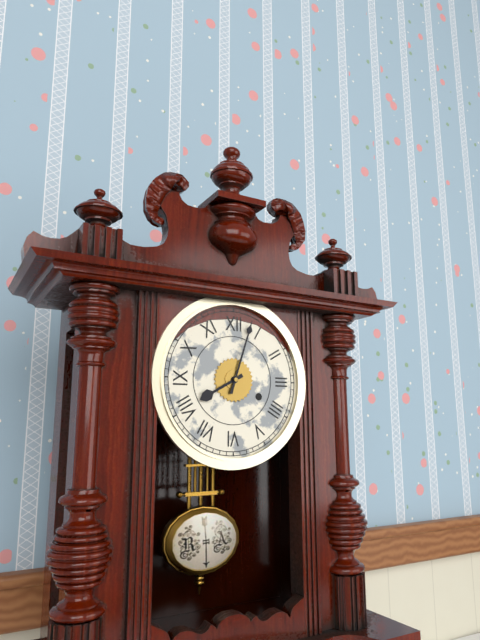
8:03
